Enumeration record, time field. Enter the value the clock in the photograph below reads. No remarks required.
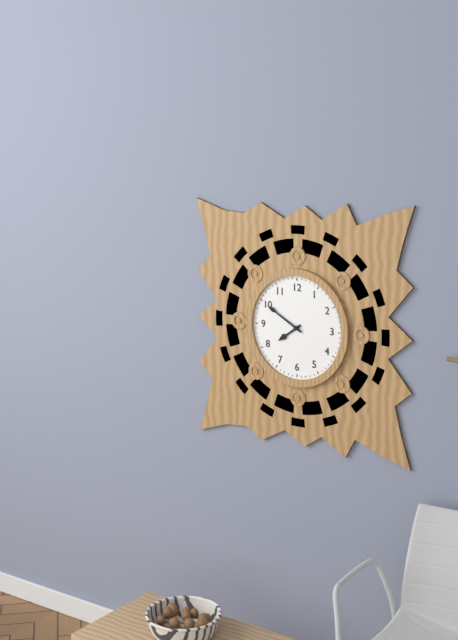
7:50
